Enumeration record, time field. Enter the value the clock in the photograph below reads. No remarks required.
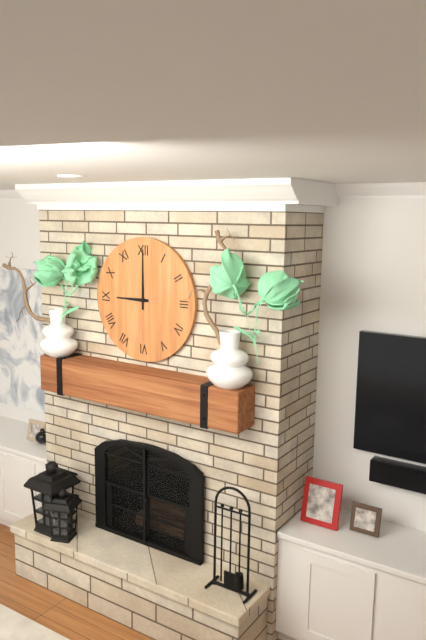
9:00
